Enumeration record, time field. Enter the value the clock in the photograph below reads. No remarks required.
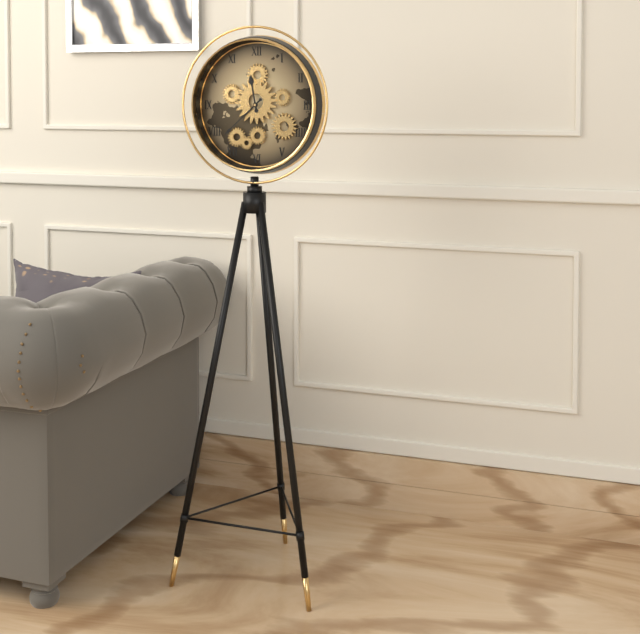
11:38
